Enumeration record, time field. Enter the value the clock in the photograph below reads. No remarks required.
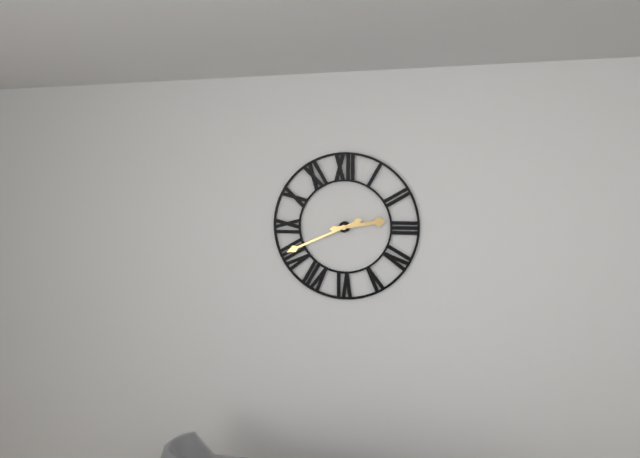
2:41
